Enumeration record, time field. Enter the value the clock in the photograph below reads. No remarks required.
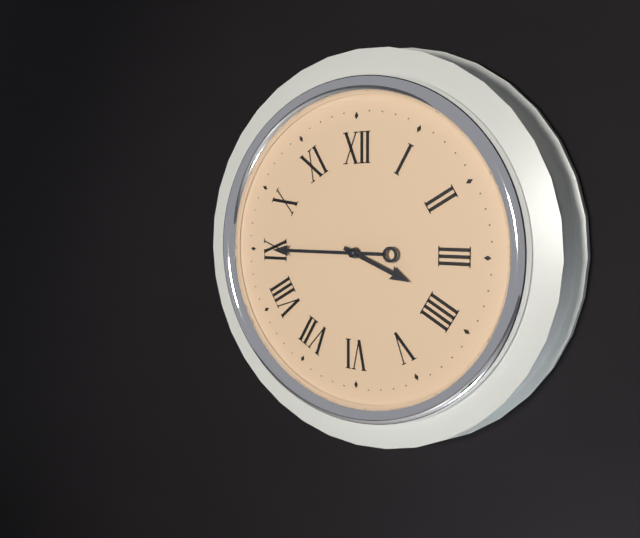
3:45
